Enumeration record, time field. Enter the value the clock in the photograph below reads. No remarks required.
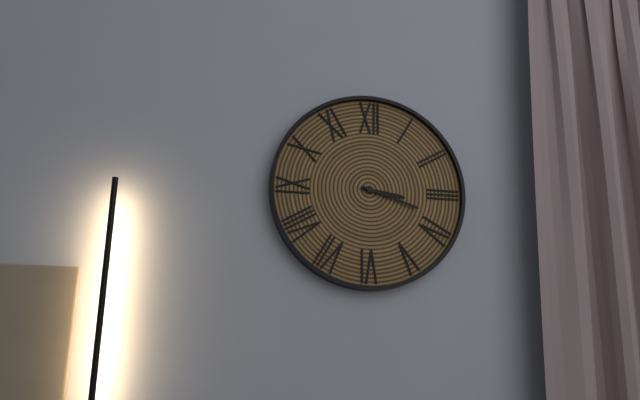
3:18
